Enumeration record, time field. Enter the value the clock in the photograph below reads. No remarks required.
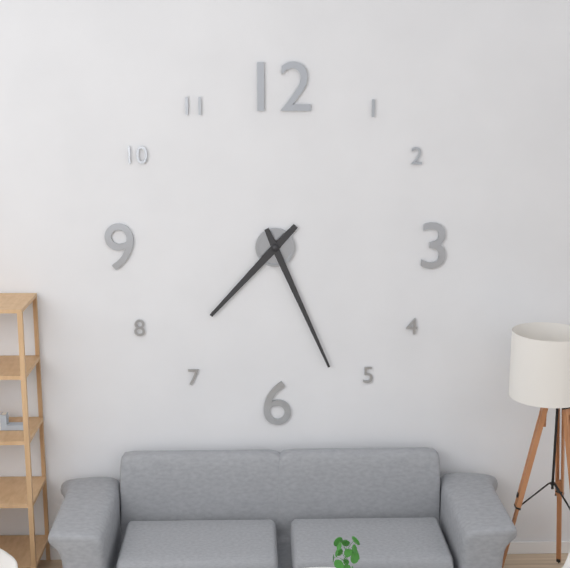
7:26
